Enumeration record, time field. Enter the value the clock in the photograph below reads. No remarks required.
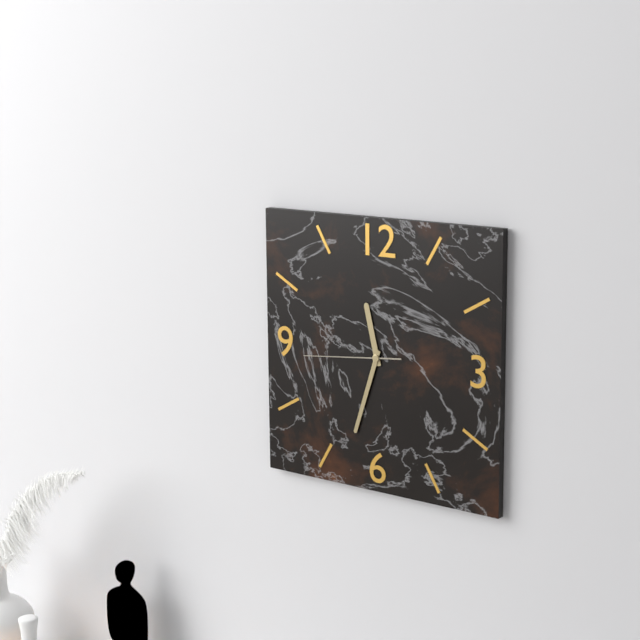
11:33:44
